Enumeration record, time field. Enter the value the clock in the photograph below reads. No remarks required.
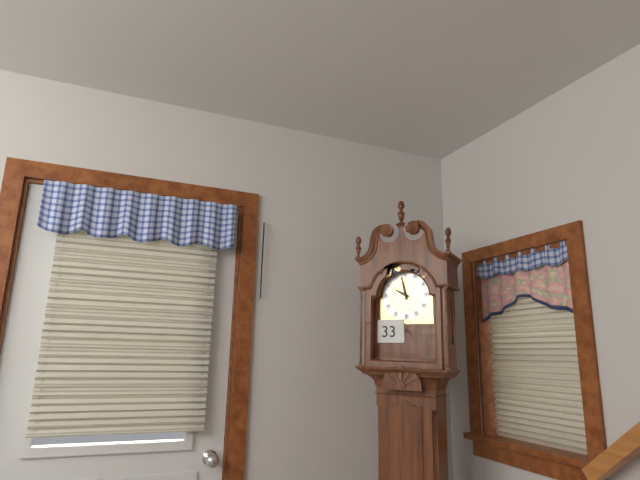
9:58
